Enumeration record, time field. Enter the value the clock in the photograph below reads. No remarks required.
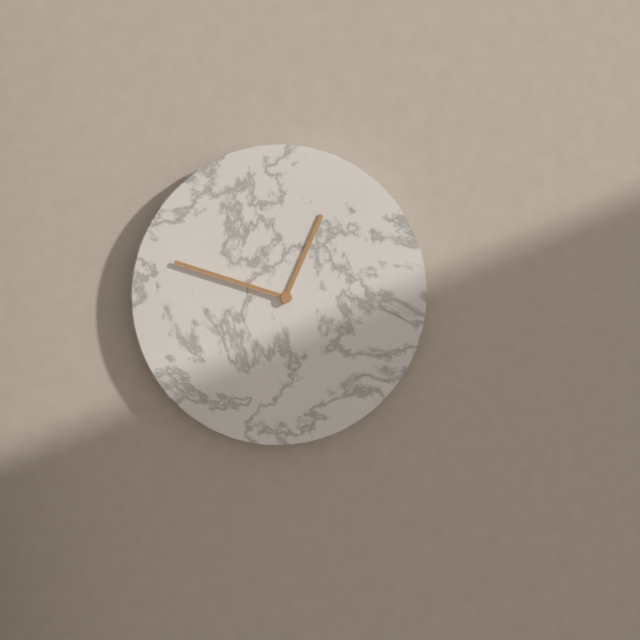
12:48
